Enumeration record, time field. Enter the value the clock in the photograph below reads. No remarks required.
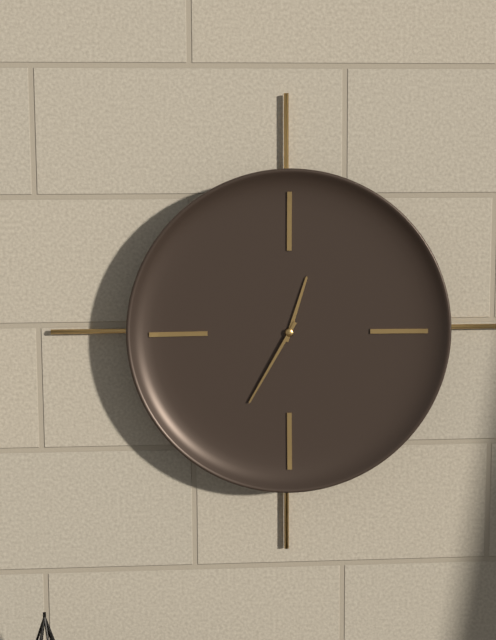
12:35
